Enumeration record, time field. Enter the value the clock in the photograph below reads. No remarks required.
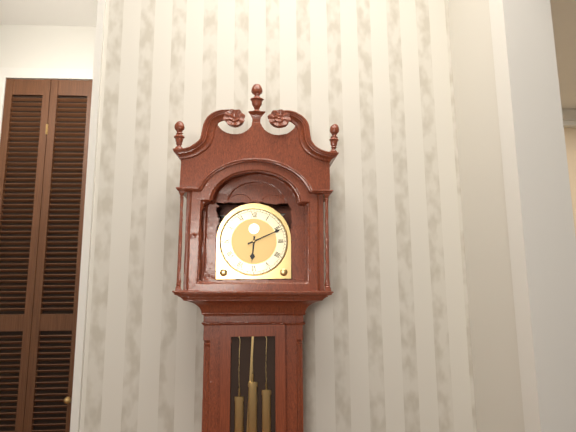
6:11
